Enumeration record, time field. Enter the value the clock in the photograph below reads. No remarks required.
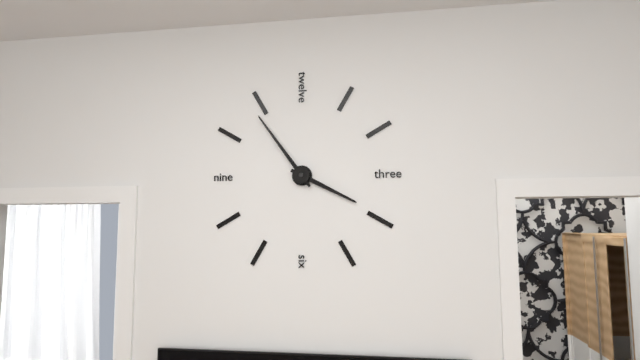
3:54
